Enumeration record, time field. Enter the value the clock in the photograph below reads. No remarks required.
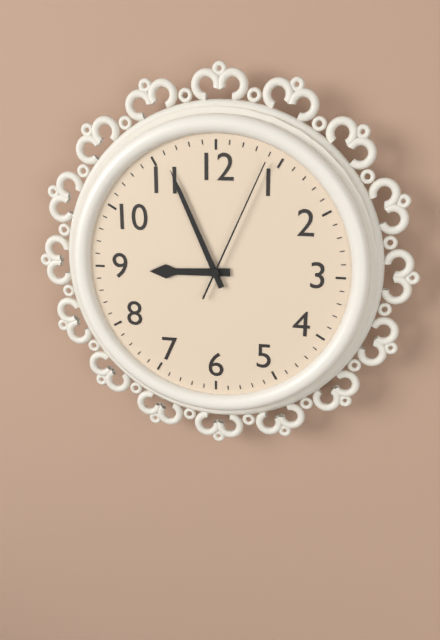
8:56:04
